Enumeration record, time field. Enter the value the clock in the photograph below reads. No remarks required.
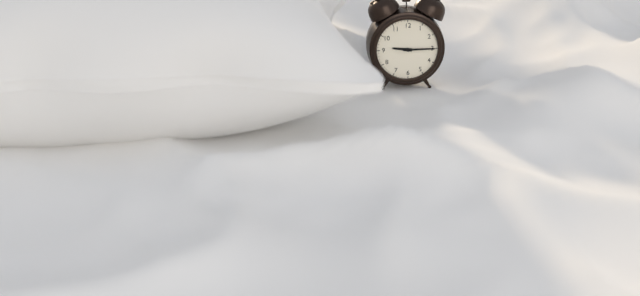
9:15
